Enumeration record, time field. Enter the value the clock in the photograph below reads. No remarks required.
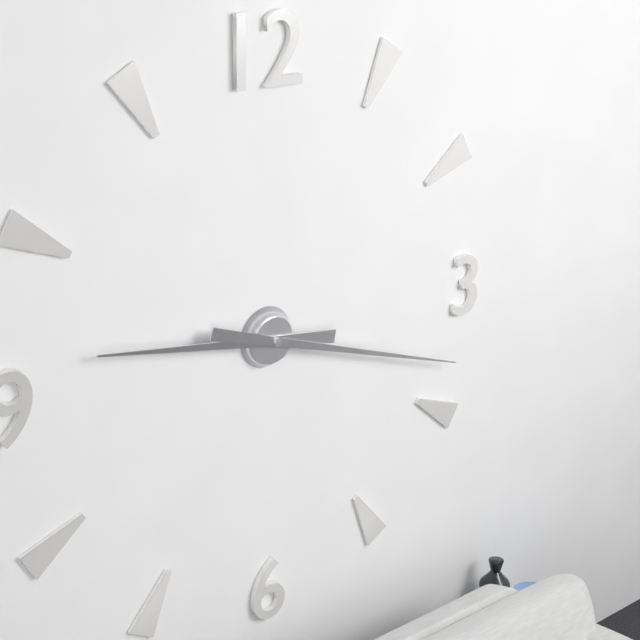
9:18
